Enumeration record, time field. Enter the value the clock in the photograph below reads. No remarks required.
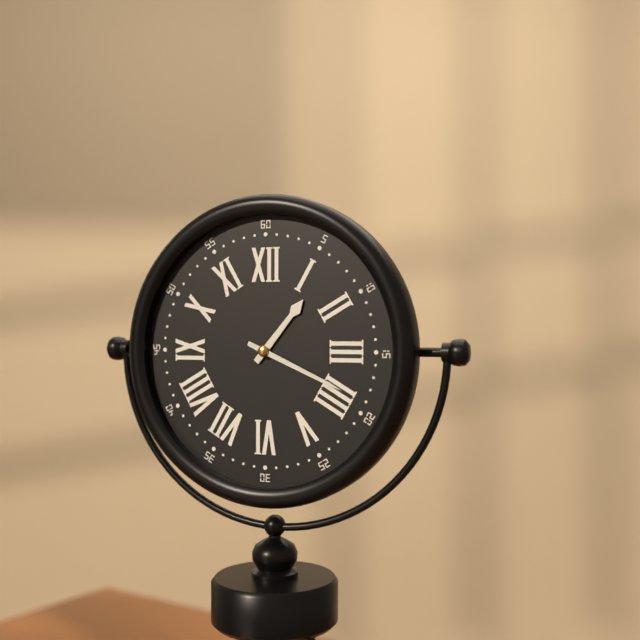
1:19
